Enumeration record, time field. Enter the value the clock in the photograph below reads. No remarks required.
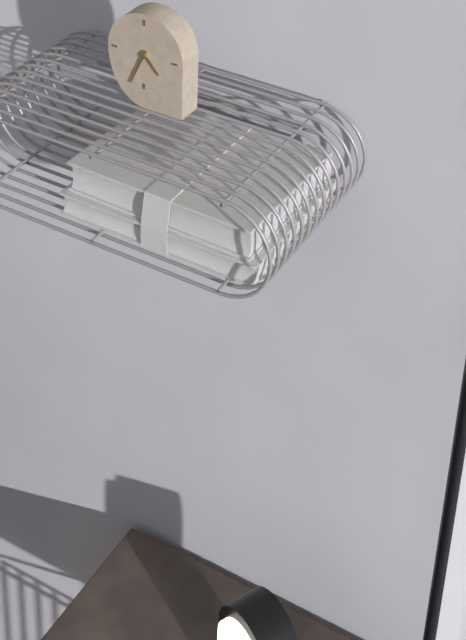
4:34
